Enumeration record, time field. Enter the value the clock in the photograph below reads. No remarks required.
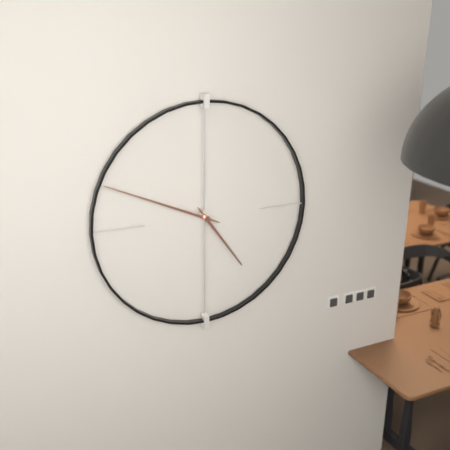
4:49
